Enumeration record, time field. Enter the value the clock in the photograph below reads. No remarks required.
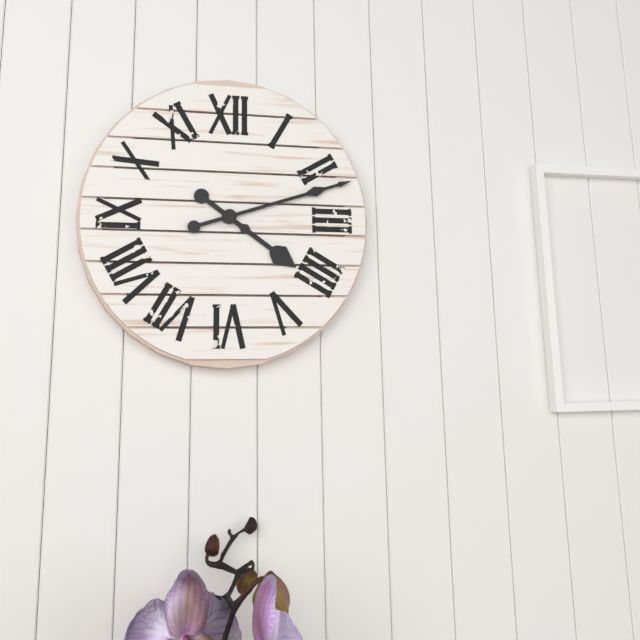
4:12
